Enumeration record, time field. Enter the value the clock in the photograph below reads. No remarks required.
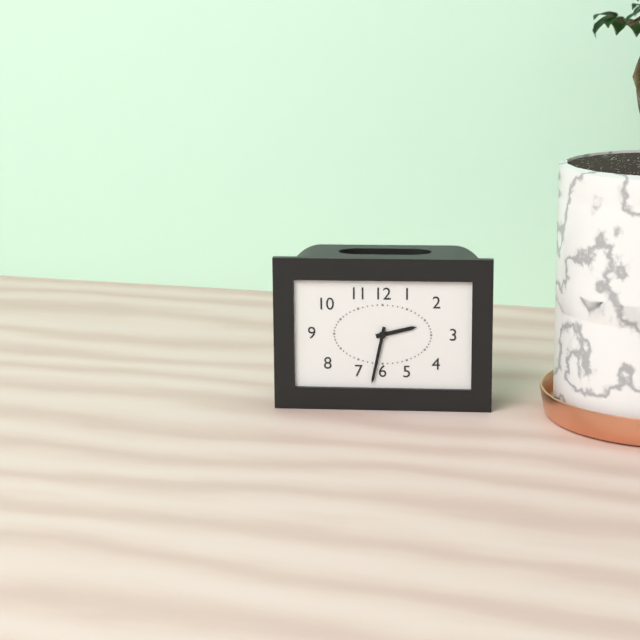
2:32
